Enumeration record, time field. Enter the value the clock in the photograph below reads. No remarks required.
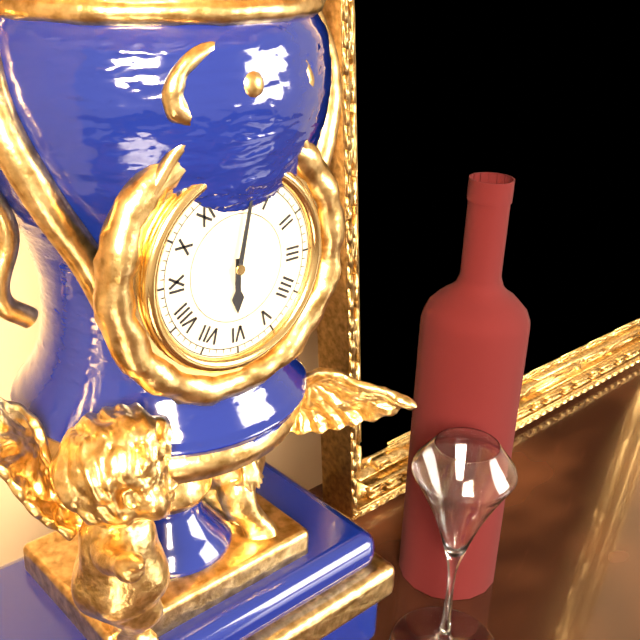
6:02
